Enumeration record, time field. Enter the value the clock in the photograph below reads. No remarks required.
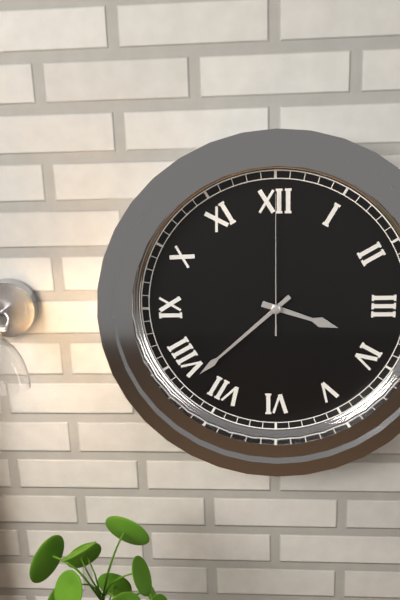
3:38:00
